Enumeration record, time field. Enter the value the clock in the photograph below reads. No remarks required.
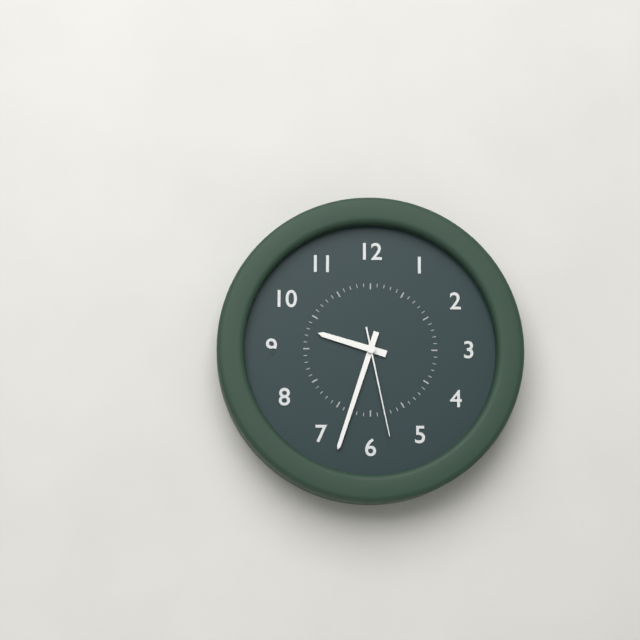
9:33:28
